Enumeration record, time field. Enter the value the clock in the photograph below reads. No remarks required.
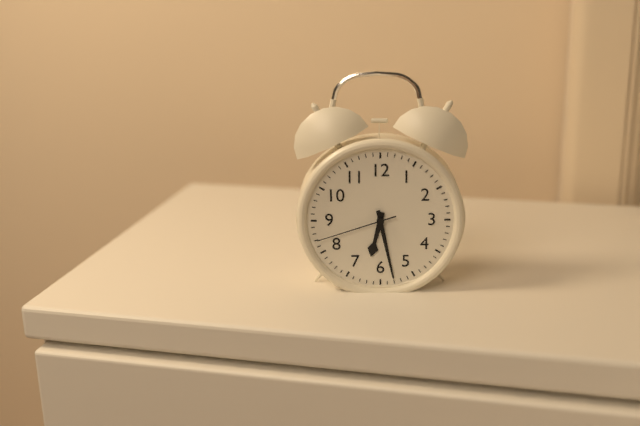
6:28:42
